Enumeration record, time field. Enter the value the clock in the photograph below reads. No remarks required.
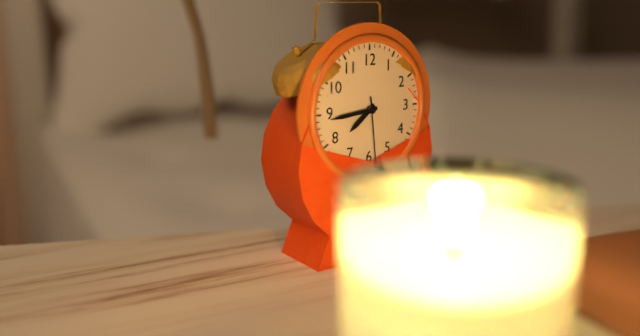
7:44:29
